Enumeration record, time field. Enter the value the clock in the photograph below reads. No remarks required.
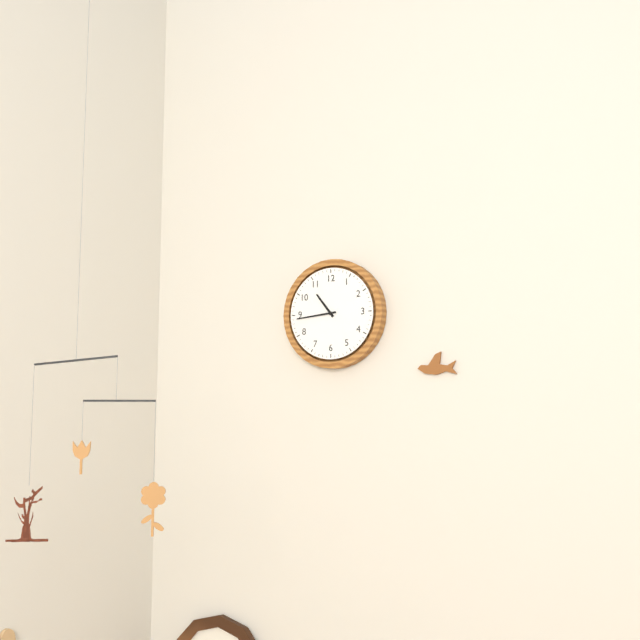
10:44
